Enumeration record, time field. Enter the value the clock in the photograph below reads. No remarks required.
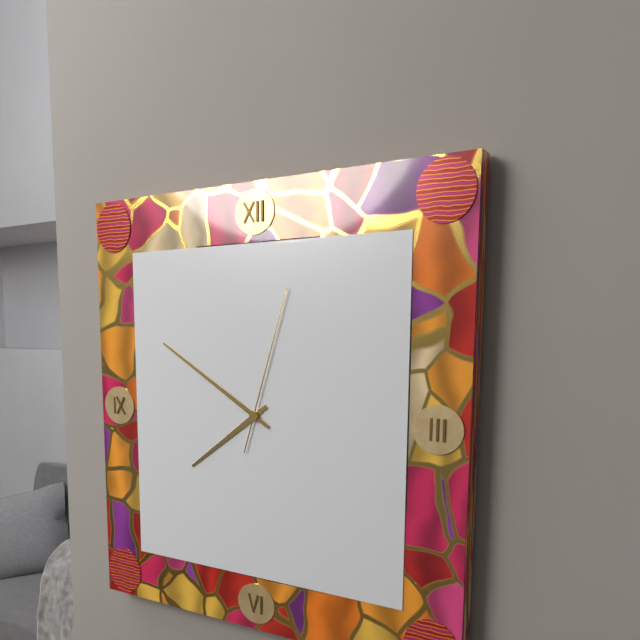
7:50:03
